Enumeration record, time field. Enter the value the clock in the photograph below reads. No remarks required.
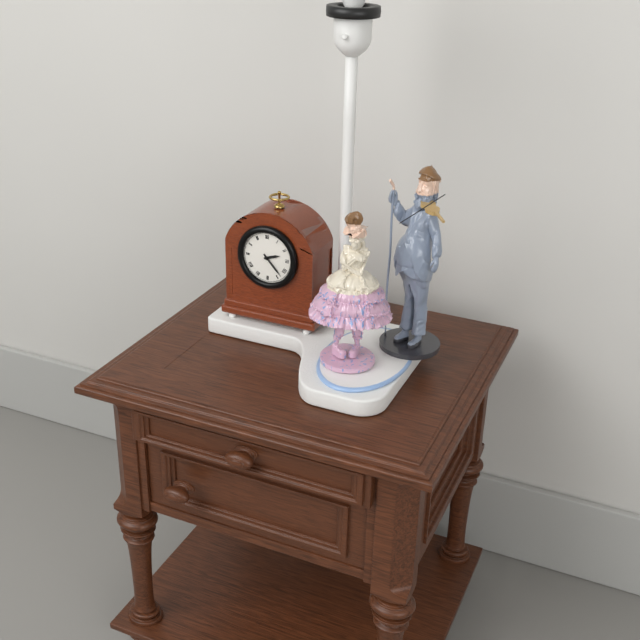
2:23
